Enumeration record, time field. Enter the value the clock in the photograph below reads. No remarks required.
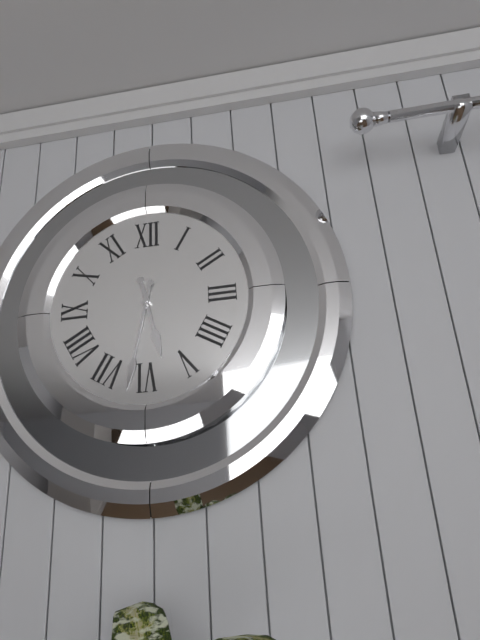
5:32
